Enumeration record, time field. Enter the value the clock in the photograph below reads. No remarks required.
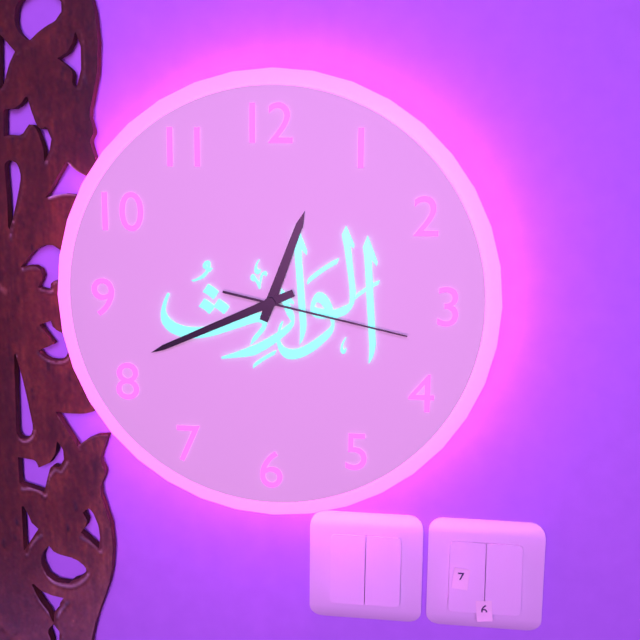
12:41:17
